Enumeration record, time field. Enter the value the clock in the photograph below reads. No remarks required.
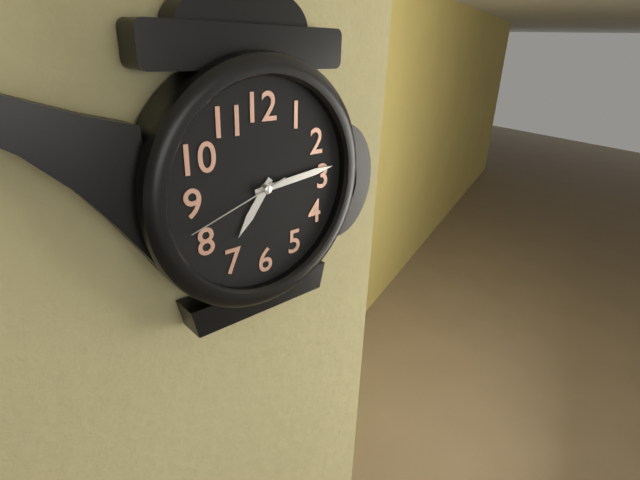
7:14:42
